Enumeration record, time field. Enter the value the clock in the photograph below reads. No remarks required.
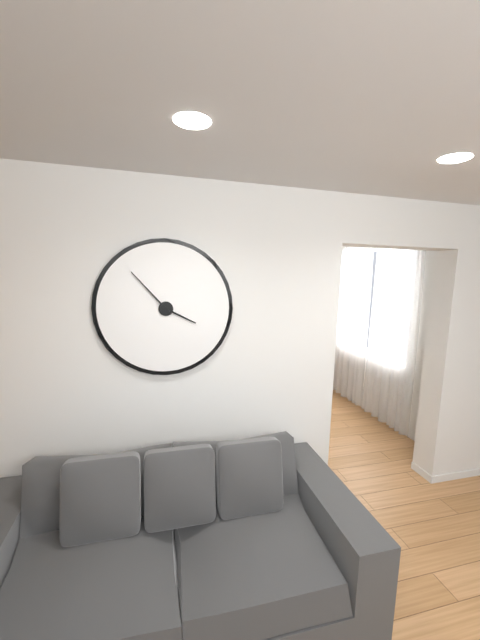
3:53
